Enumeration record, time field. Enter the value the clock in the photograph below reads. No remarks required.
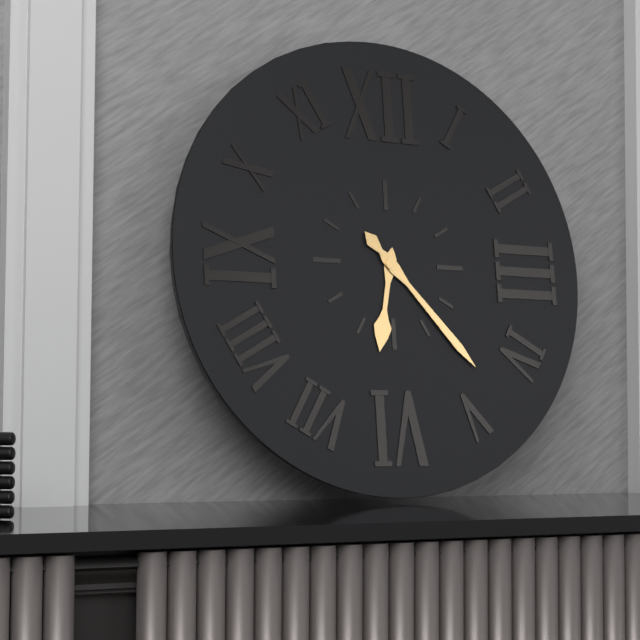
6:23
